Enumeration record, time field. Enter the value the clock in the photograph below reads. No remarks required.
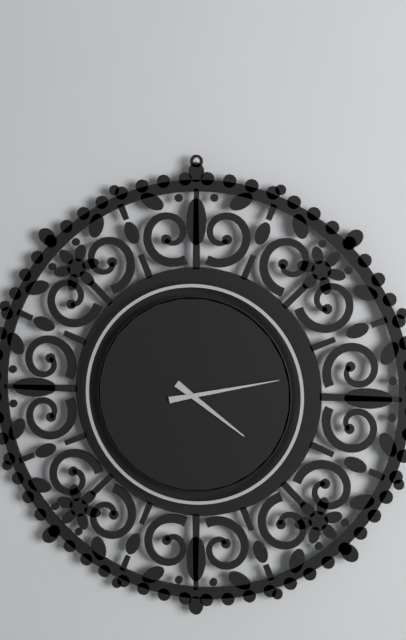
4:13
